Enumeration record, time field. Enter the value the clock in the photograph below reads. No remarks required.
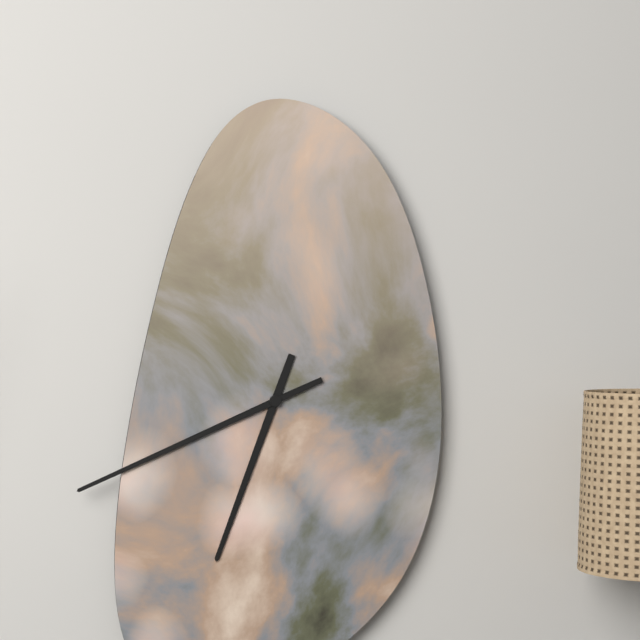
6:41
